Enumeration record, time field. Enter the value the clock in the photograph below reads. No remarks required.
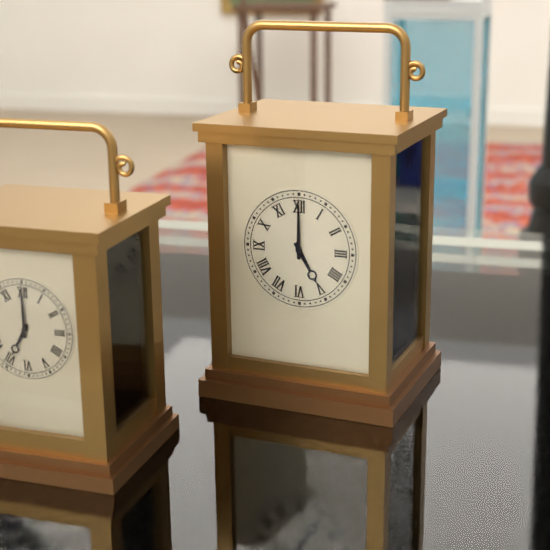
5:00
